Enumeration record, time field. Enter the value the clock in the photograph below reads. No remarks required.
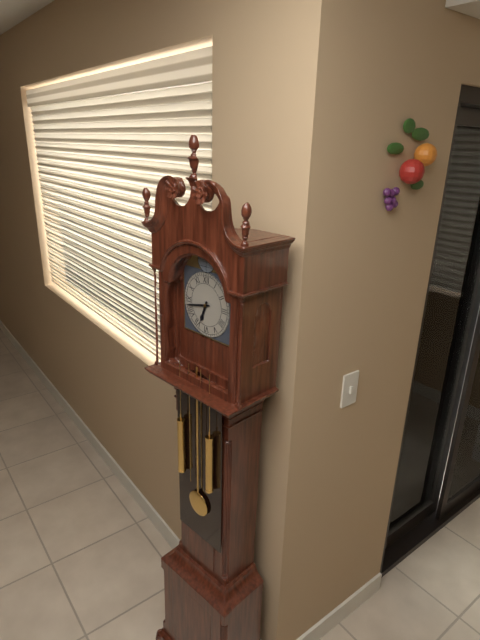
6:43
